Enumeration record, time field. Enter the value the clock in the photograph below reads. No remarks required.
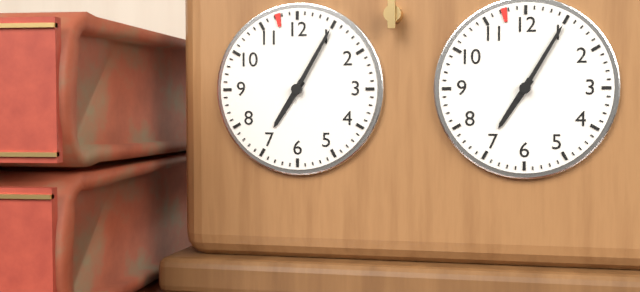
7:05
